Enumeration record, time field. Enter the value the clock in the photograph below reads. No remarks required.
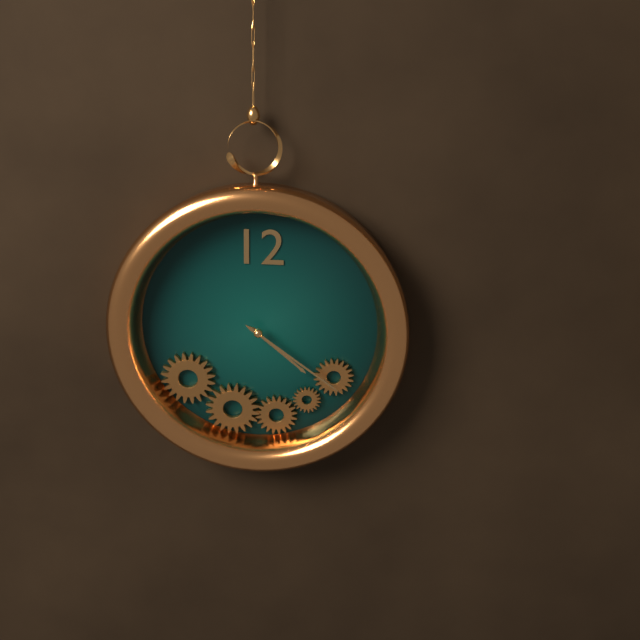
4:21
